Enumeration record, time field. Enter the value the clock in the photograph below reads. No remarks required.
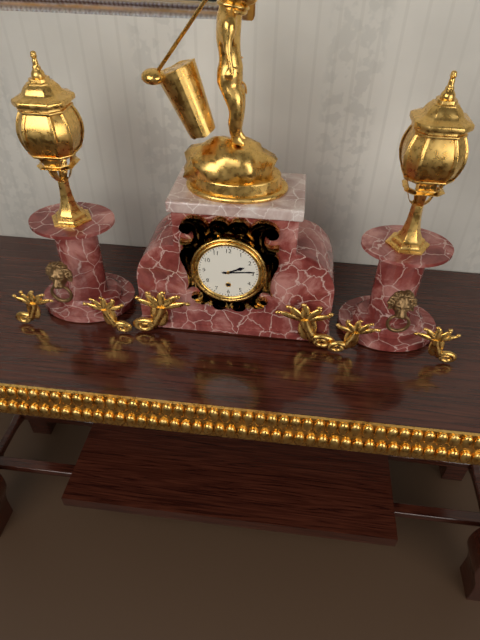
2:14
